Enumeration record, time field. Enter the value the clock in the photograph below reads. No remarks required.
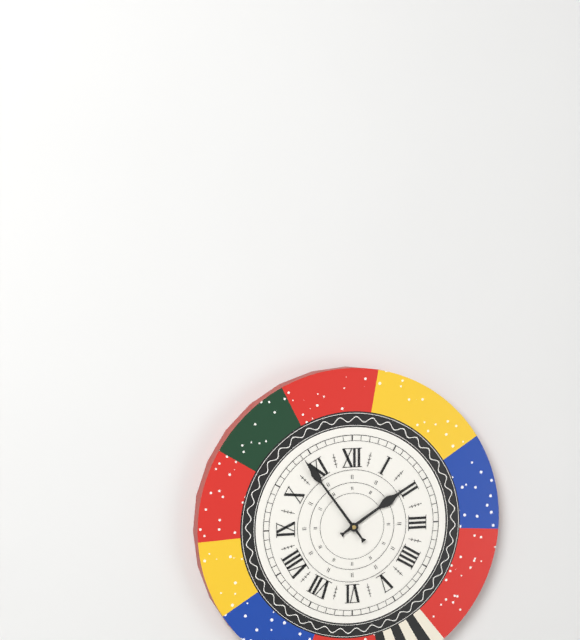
1:54
